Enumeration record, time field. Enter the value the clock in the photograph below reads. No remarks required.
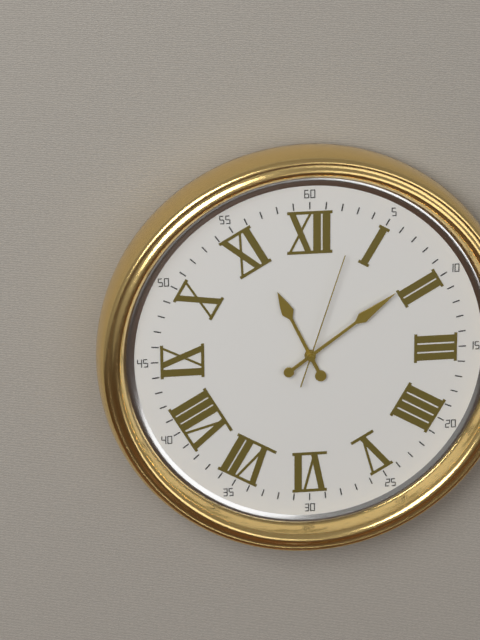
11:09:03
